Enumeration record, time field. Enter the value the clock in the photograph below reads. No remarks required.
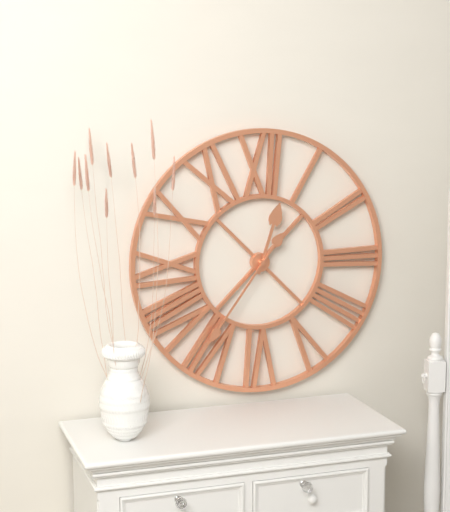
12:36
